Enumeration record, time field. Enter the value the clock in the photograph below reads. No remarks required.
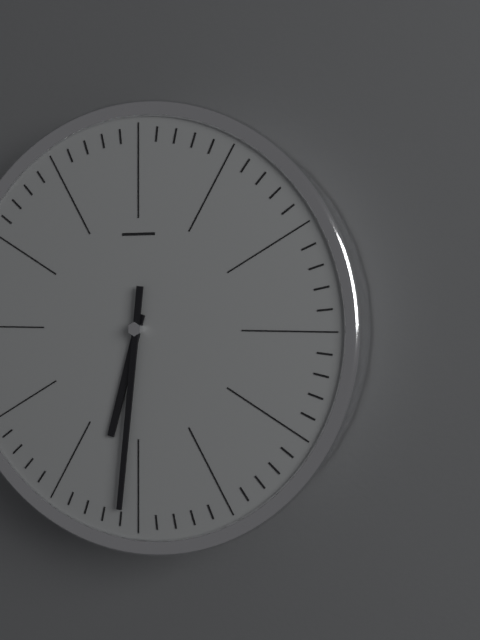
6:31
